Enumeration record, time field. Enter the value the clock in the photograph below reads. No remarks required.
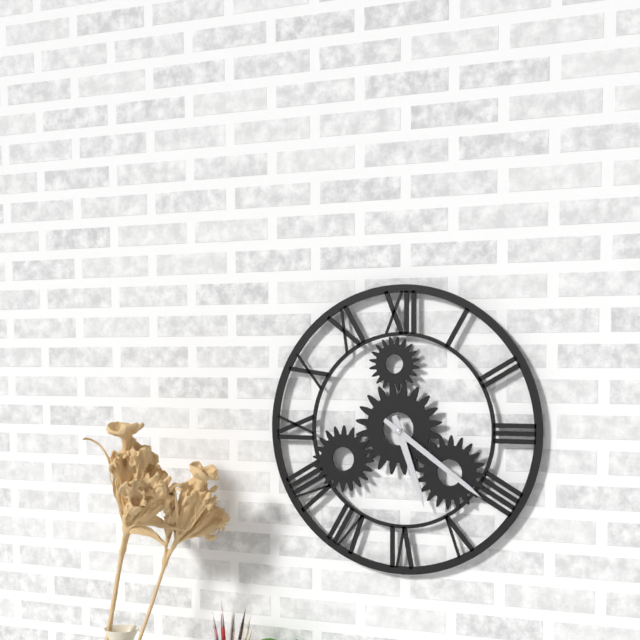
5:21
